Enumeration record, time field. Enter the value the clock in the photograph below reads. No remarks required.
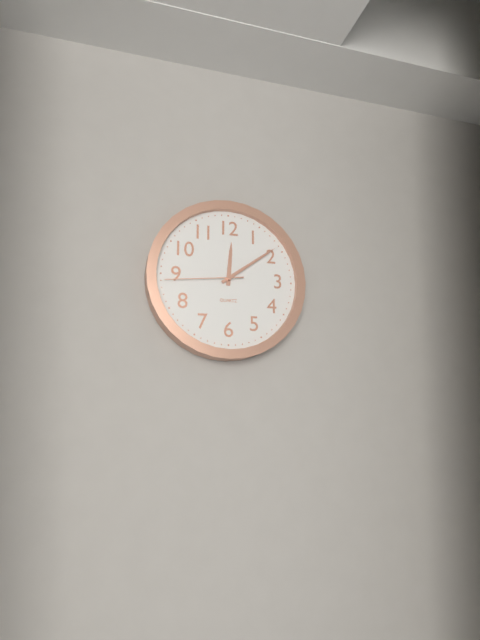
12:09:44
